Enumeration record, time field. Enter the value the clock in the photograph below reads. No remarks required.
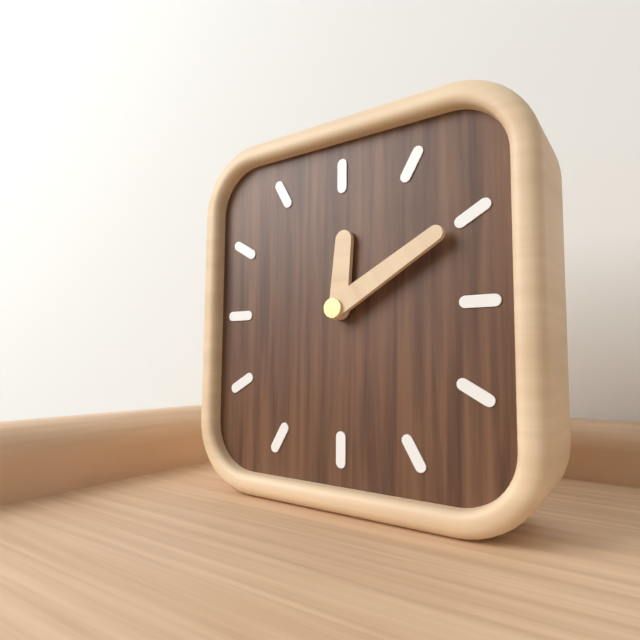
12:10
